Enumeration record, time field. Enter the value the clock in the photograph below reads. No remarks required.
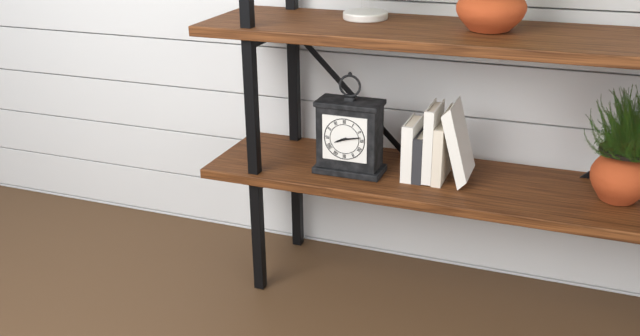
8:13
